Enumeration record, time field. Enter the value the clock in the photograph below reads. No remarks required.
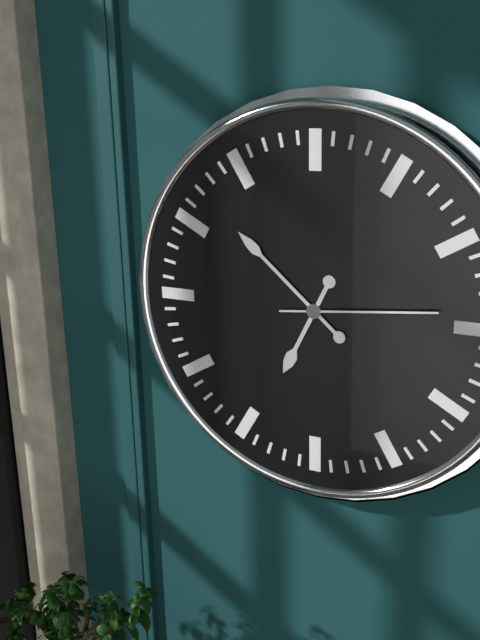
6:52:14
